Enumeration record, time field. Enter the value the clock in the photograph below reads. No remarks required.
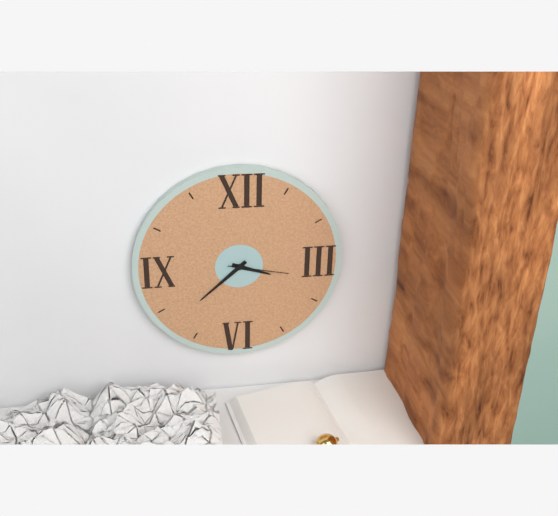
3:38:17
